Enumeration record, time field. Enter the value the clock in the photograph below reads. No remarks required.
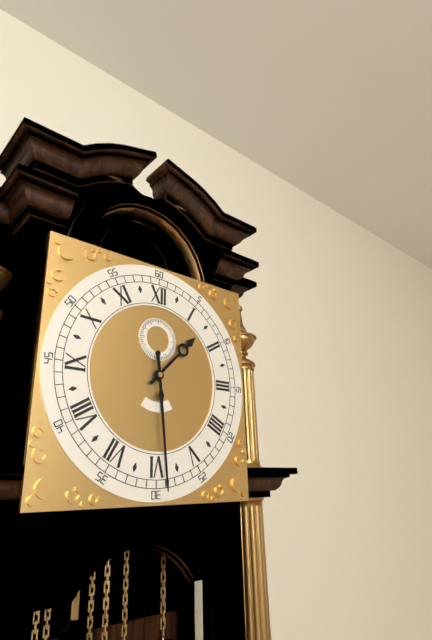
1:29
